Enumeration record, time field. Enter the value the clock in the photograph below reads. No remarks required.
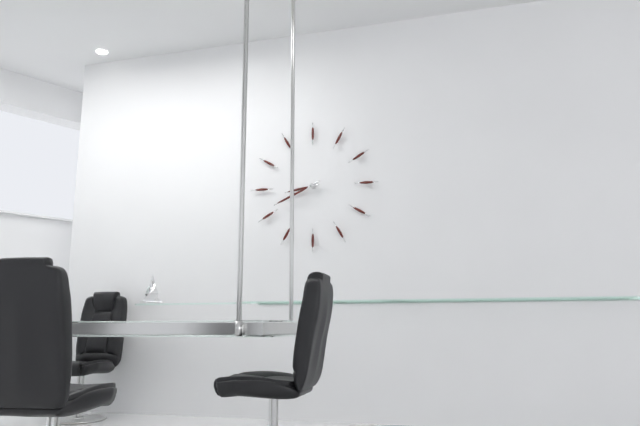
8:41
